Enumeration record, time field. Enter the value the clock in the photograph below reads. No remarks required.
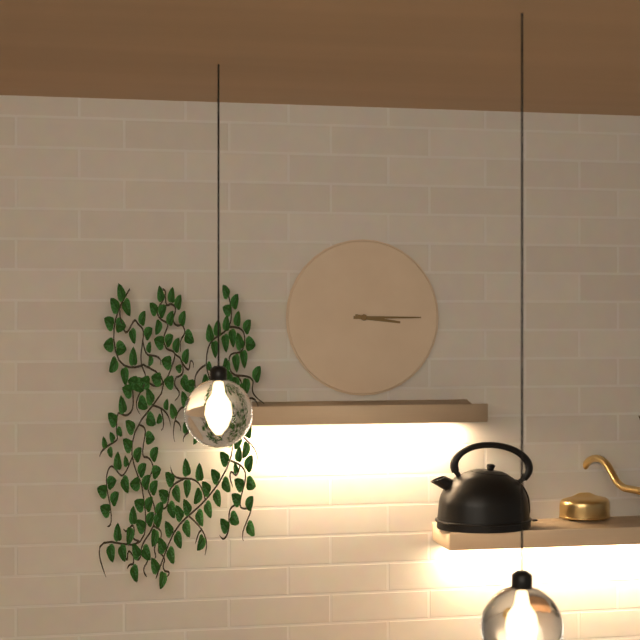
3:15
